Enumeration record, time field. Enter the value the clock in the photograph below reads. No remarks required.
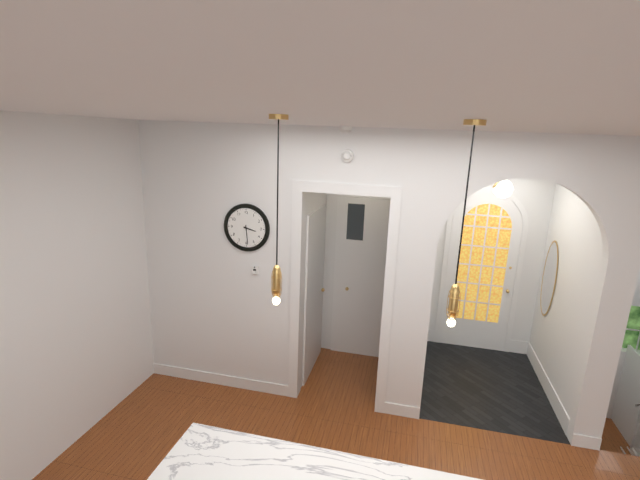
3:29
